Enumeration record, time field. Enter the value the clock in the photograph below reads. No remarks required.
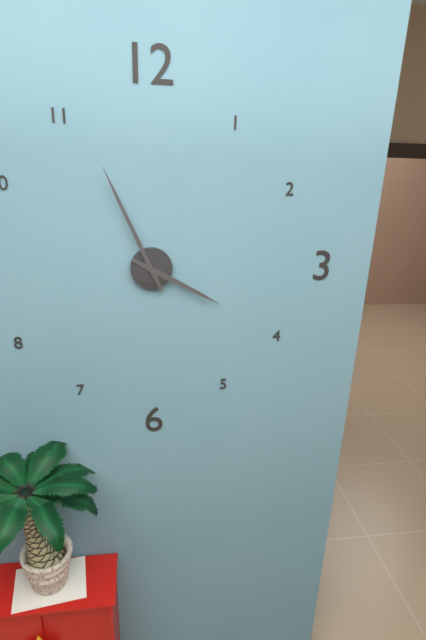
3:56
